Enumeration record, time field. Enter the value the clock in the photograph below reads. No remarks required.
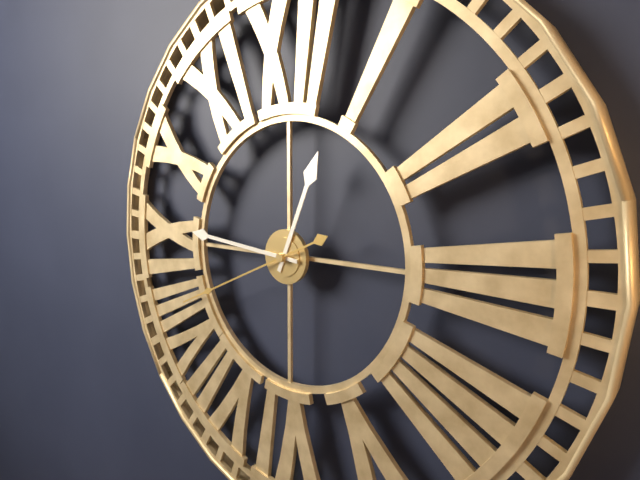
12:46:41
